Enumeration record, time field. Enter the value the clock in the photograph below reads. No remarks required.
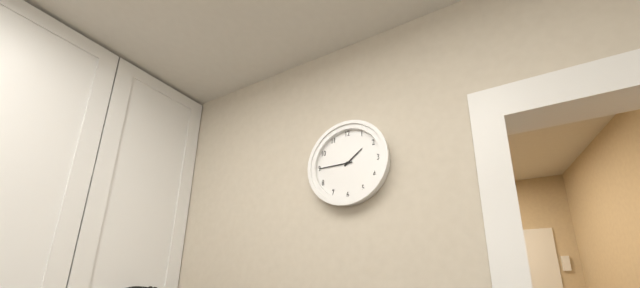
1:45
